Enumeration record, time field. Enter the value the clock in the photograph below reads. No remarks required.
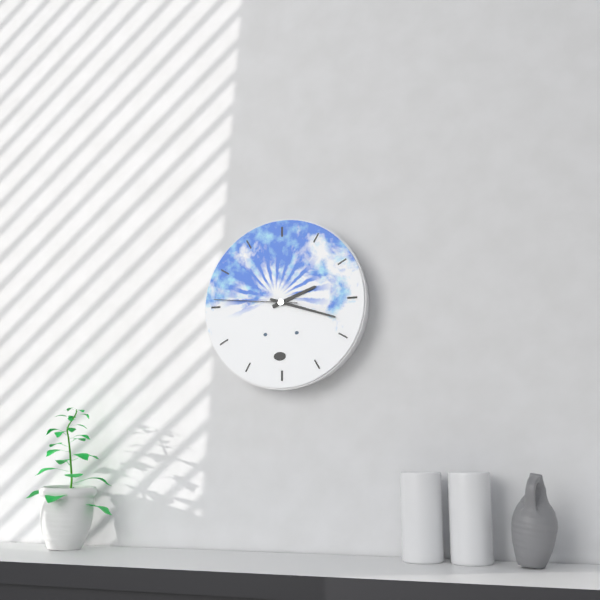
2:18:46
